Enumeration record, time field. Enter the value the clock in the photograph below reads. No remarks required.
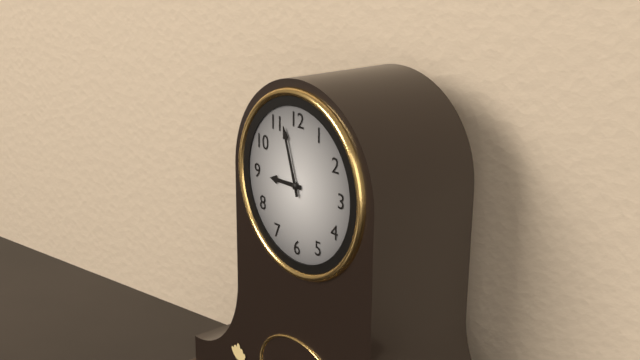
8:57
